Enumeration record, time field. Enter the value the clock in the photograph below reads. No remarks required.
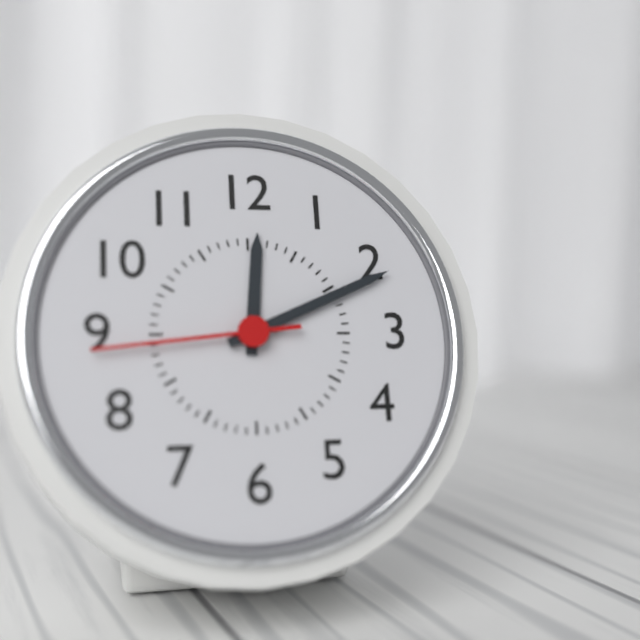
12:11:44
